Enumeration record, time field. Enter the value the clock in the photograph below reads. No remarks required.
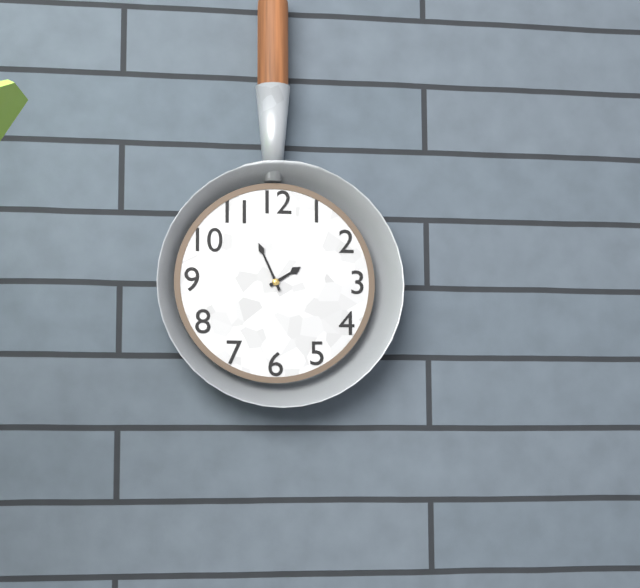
1:56
